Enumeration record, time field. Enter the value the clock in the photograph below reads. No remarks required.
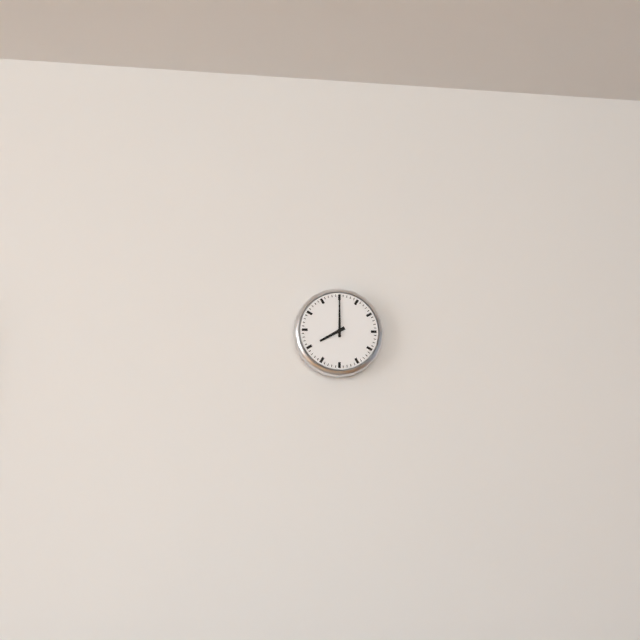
8:00
